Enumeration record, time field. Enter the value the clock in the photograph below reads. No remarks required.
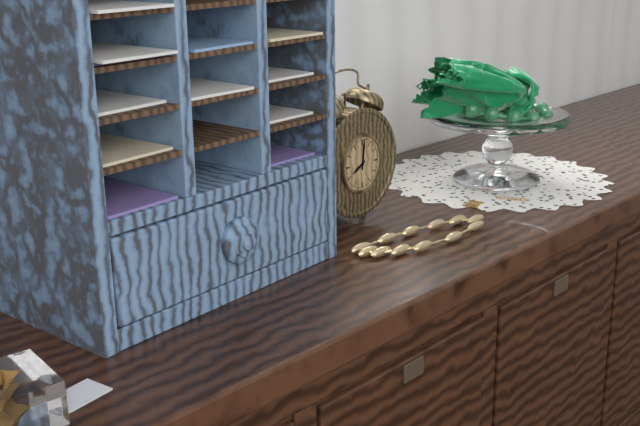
8:01
